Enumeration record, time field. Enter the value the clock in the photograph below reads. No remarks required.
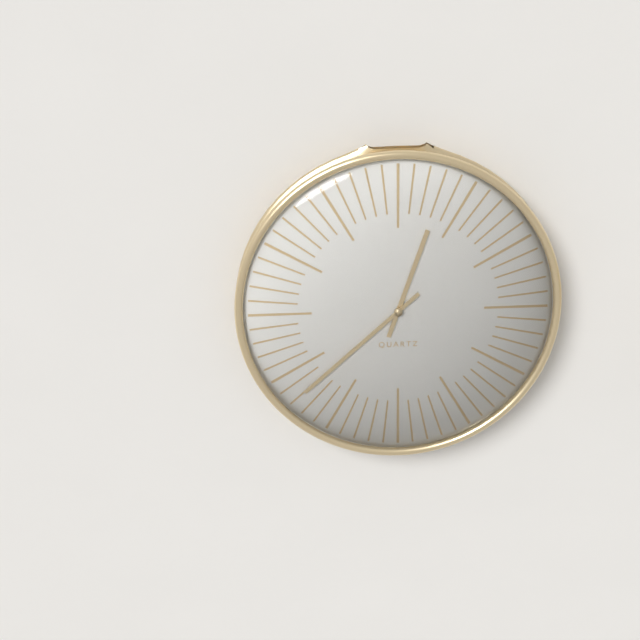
12:38
